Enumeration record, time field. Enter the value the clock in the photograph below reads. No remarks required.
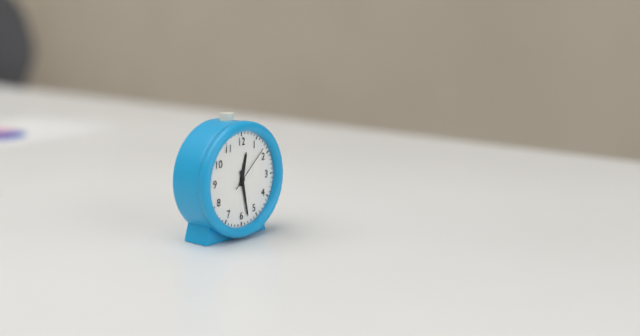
12:28
